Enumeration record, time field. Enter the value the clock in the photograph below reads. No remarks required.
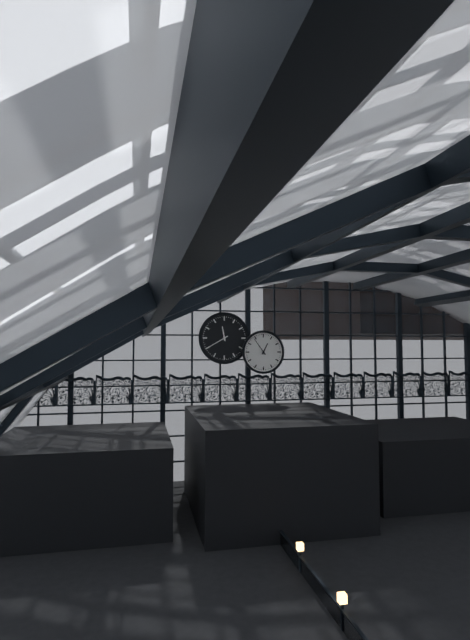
12:54
